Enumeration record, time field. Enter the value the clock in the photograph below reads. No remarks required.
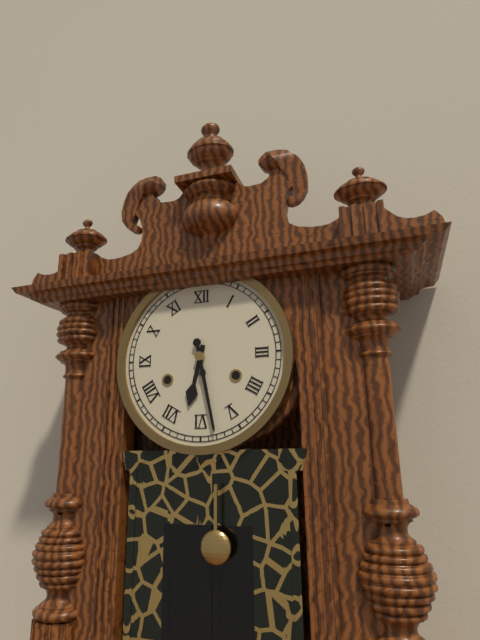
6:28
